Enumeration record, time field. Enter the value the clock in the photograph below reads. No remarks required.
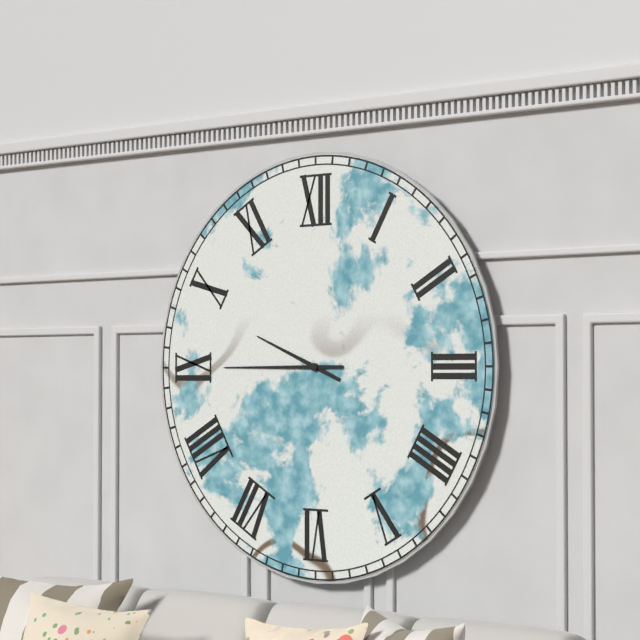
9:45
